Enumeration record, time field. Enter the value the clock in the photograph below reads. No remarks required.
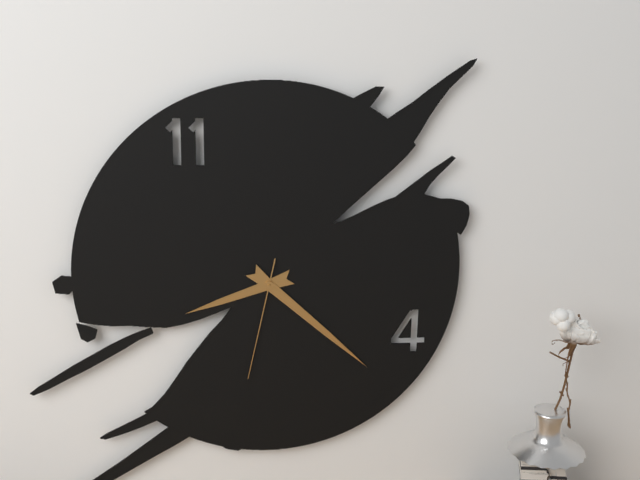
8:22:32
